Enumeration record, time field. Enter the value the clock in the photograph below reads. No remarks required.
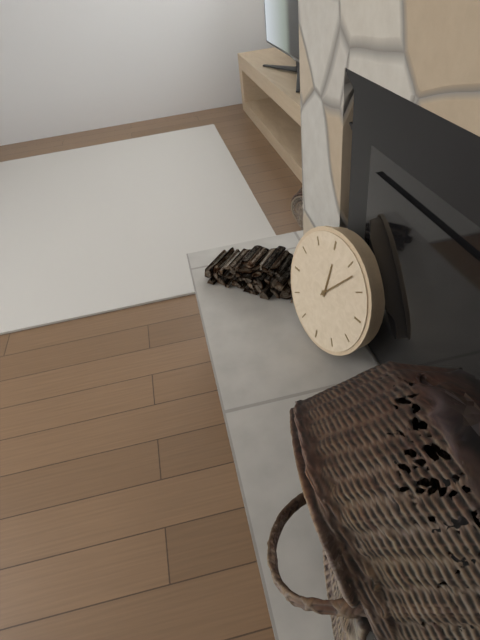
12:07
